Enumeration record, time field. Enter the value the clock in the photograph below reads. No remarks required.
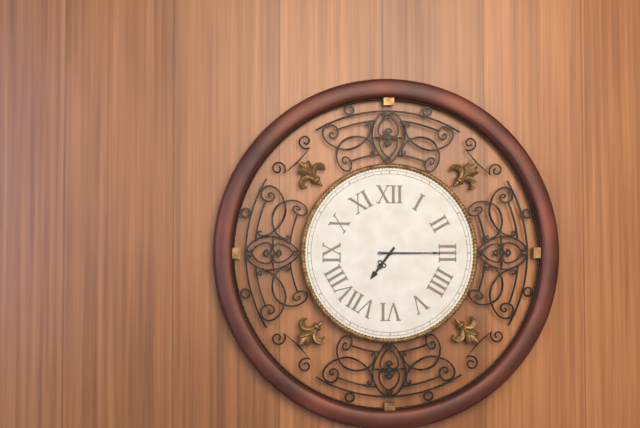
7:15
